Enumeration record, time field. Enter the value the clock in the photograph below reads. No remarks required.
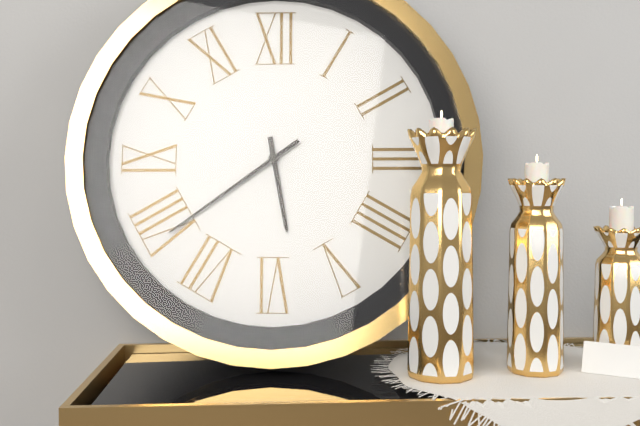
5:39
